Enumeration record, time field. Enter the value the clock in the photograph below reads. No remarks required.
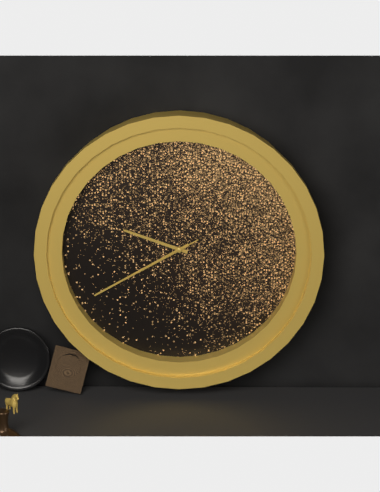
9:40:40
